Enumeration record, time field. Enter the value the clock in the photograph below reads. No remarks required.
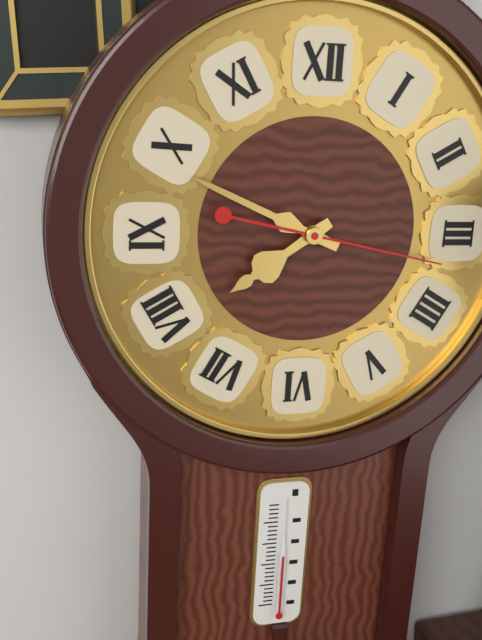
7:49:17
